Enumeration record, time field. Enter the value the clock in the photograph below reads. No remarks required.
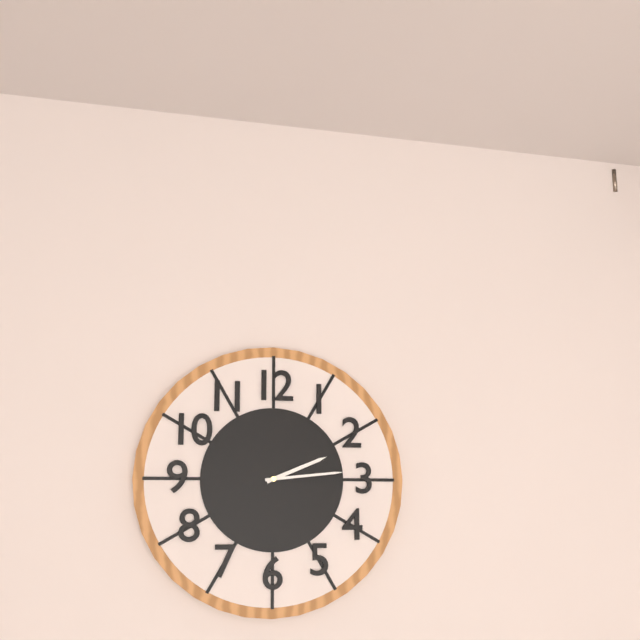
2:14
